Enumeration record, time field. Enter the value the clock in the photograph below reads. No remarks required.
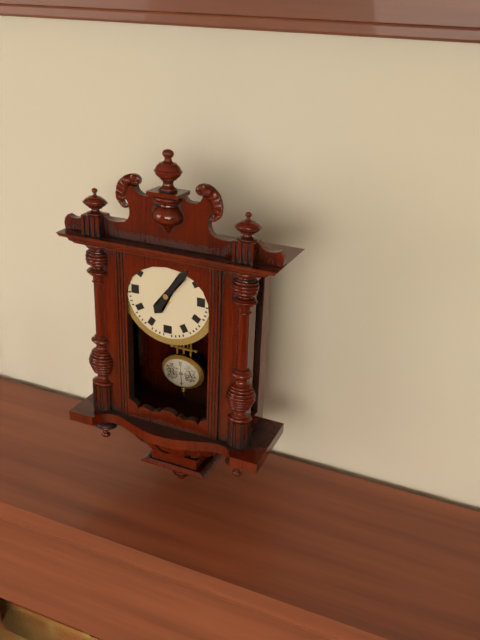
7:06
